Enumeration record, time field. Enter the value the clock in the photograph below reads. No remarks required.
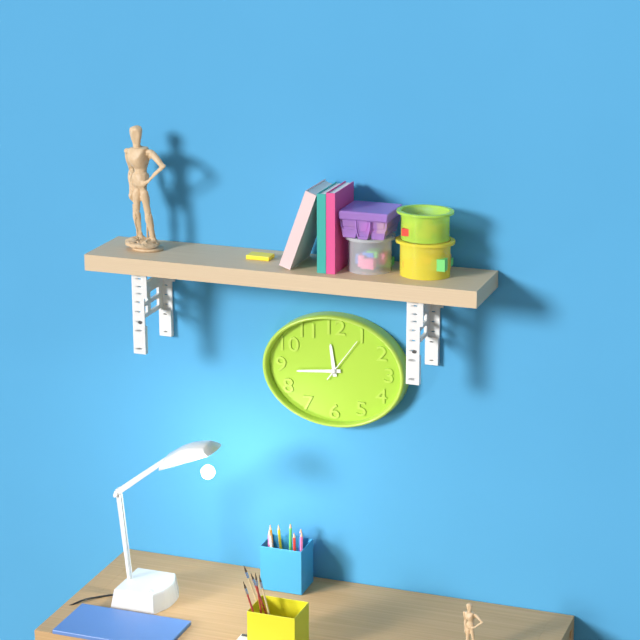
11:44
